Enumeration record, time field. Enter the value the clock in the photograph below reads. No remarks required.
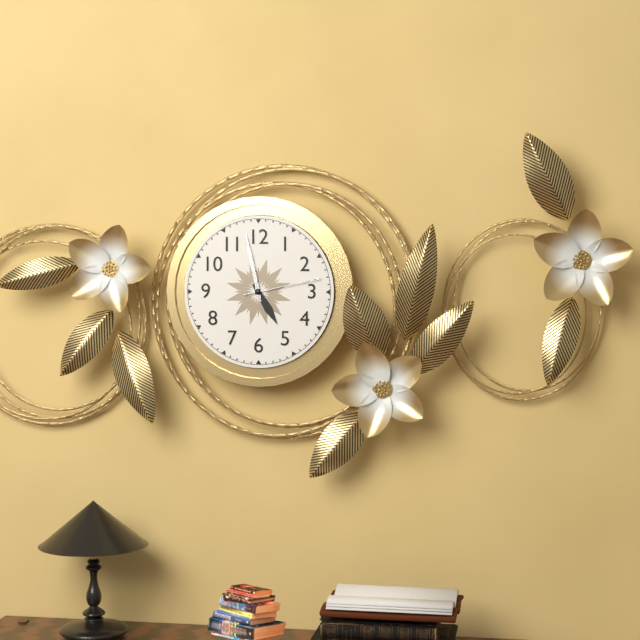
4:58:13
